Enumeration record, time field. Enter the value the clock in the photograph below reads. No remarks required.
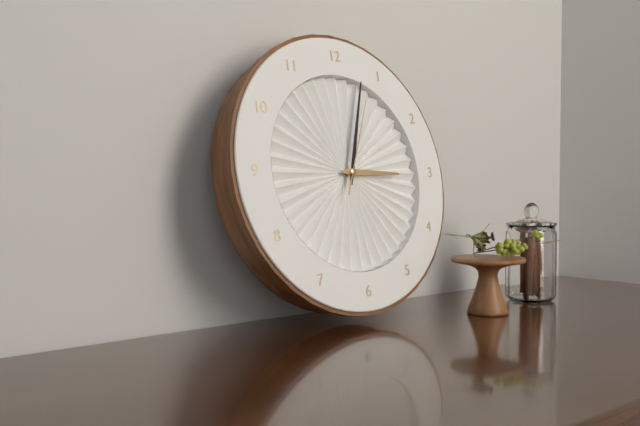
3:03:04
